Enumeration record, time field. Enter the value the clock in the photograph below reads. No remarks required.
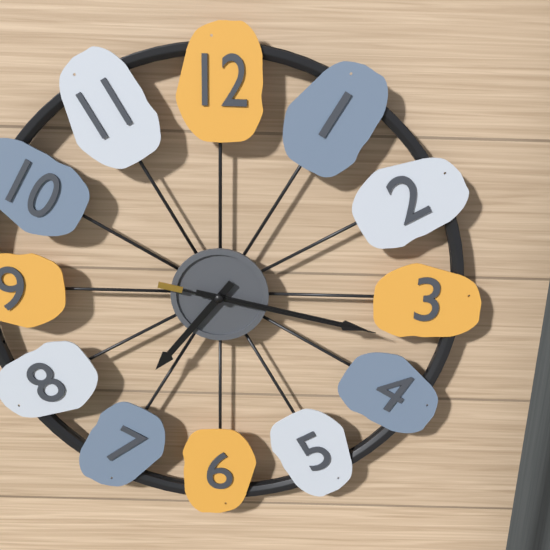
7:17:17
